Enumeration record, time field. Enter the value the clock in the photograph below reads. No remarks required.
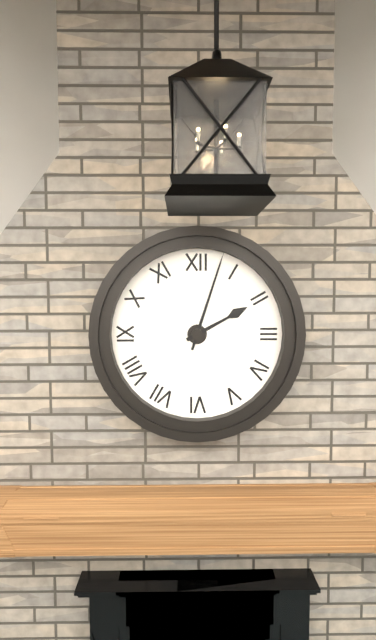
2:03
